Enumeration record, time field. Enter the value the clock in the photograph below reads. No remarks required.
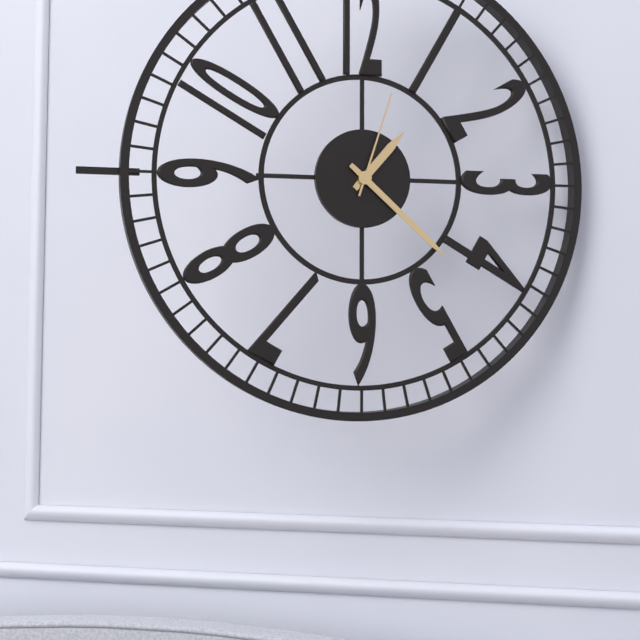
1:22:03
